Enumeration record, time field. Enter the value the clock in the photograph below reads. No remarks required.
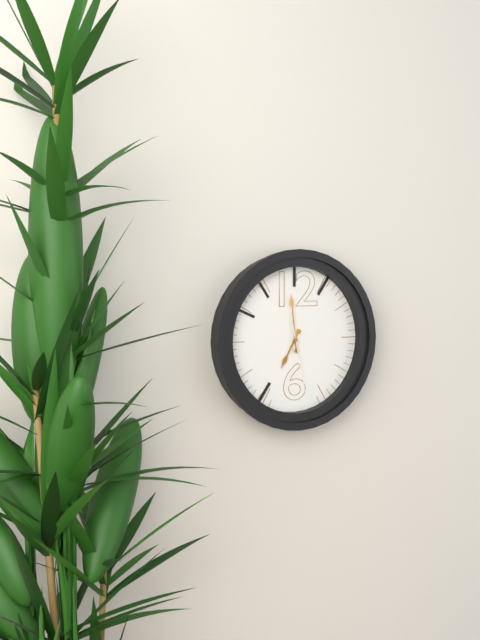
6:59:28
